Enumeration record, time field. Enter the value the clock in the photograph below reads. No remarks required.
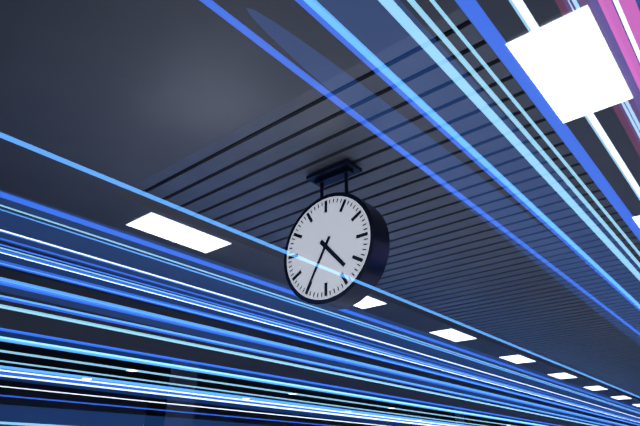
4:35
